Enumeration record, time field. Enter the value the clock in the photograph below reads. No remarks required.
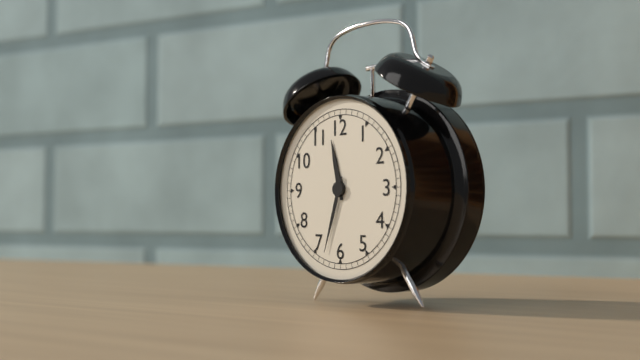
11:33
